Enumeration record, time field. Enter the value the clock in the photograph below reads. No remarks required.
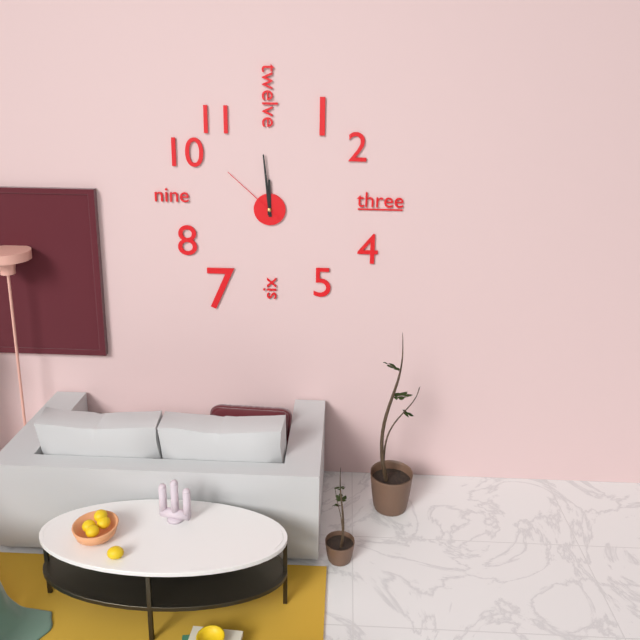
11:59:52
